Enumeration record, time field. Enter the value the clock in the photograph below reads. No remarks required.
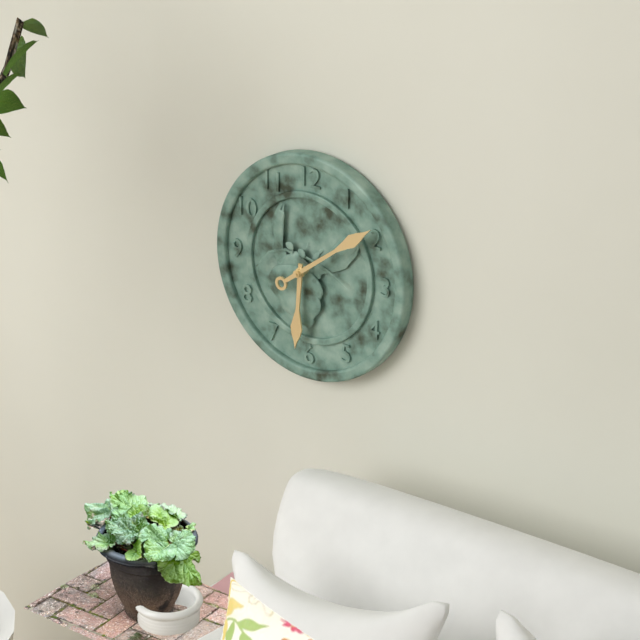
6:09
